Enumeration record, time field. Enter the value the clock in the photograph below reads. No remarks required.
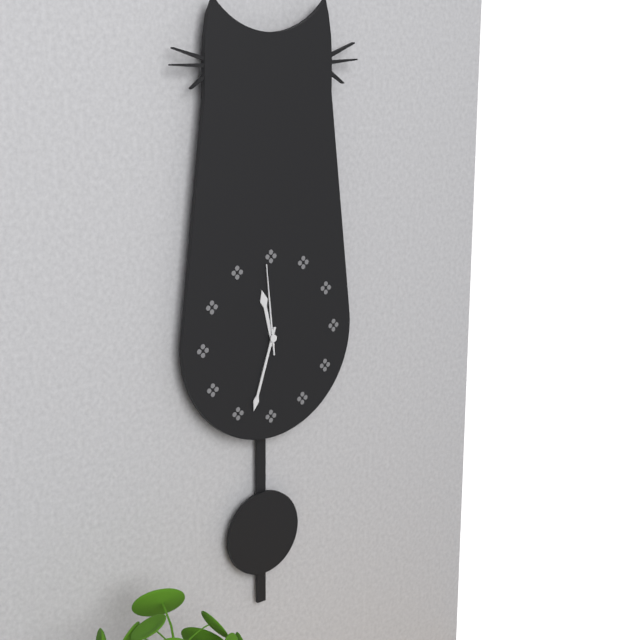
11:33:59
